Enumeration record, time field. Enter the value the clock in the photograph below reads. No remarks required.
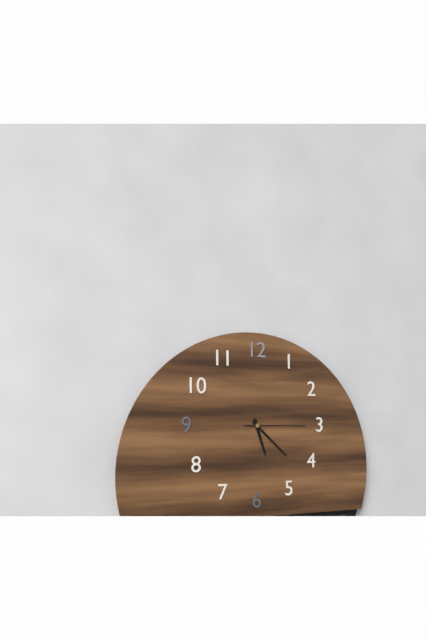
5:22:15
